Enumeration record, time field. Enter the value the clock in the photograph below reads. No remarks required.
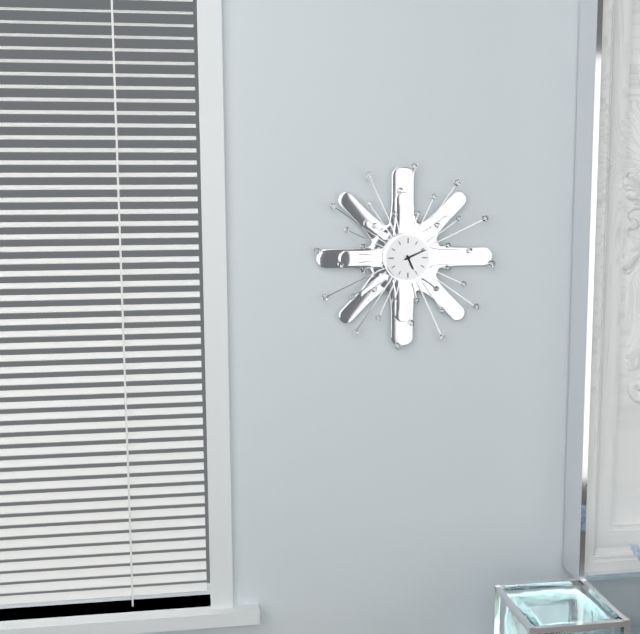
5:11
